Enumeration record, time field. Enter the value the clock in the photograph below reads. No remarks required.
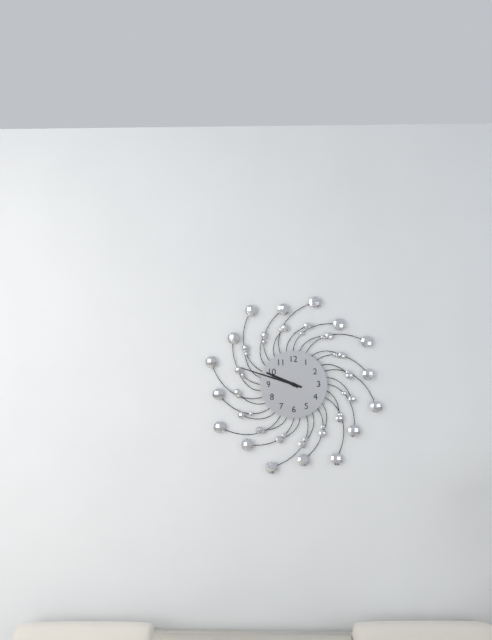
9:48
